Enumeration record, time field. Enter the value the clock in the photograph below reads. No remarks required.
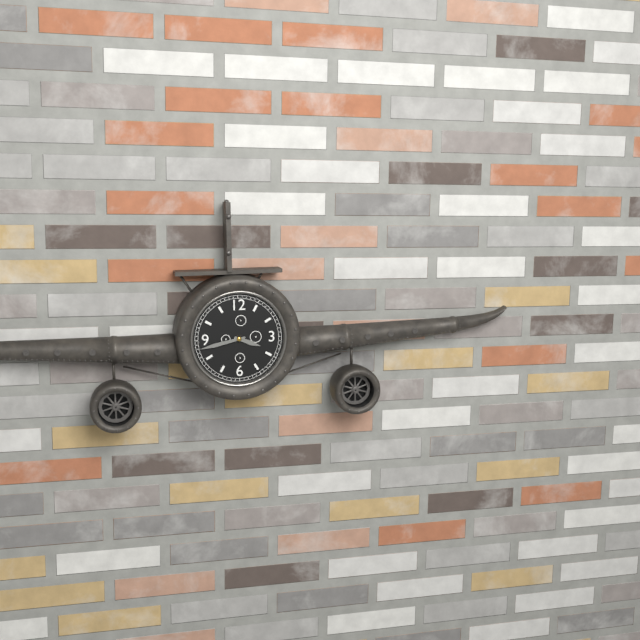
3:43
